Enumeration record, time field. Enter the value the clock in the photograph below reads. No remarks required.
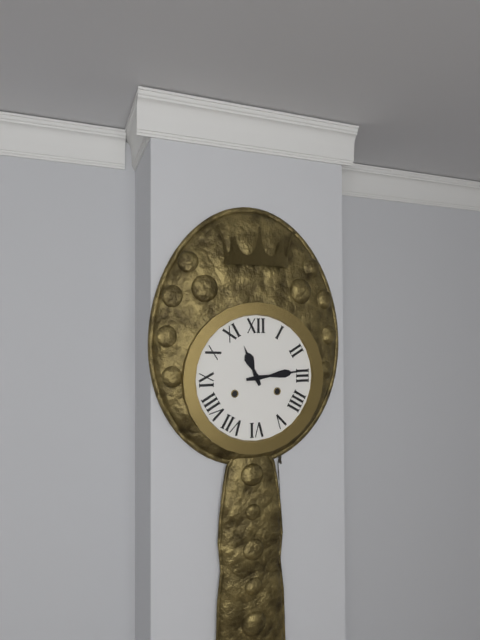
11:14
